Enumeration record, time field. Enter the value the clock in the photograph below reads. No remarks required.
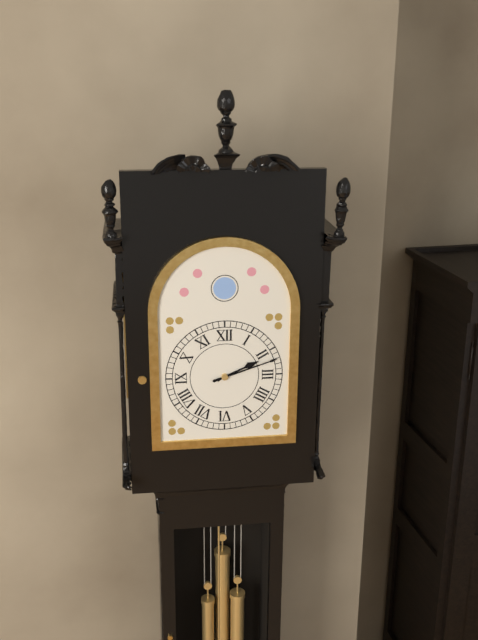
2:12
